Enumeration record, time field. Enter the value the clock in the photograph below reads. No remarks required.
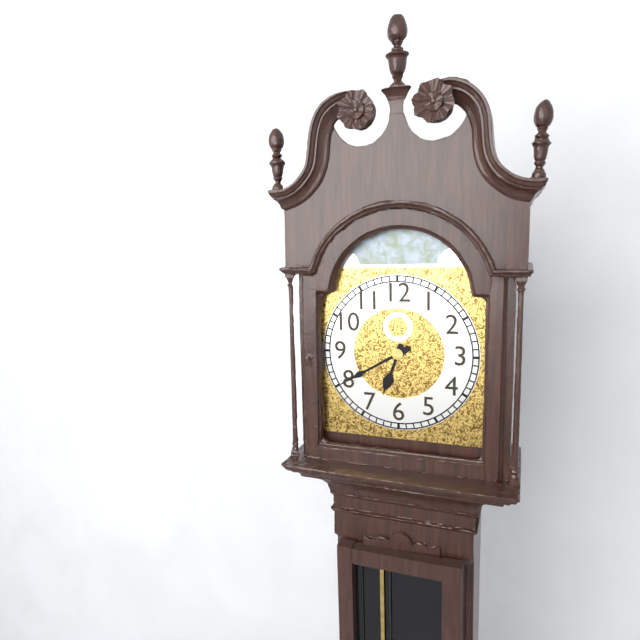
6:40
